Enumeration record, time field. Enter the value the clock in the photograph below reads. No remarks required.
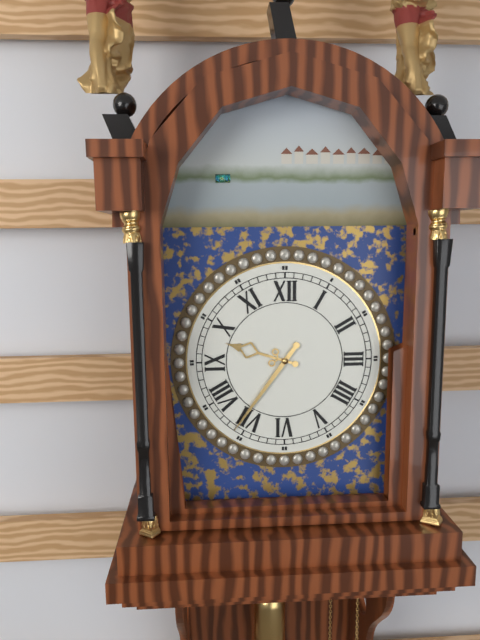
9:36
